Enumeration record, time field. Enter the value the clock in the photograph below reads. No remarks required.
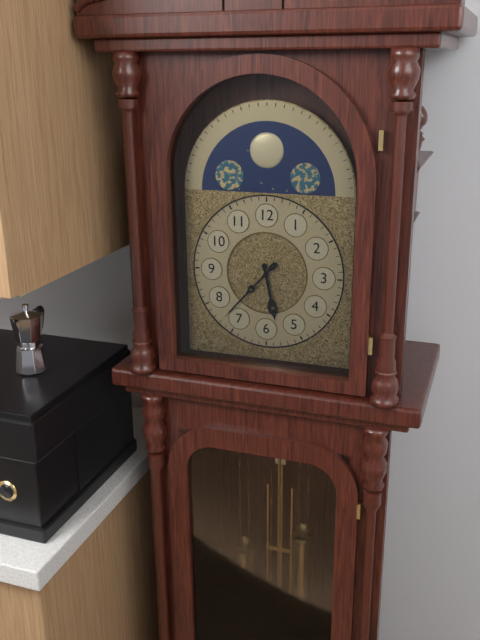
5:37
